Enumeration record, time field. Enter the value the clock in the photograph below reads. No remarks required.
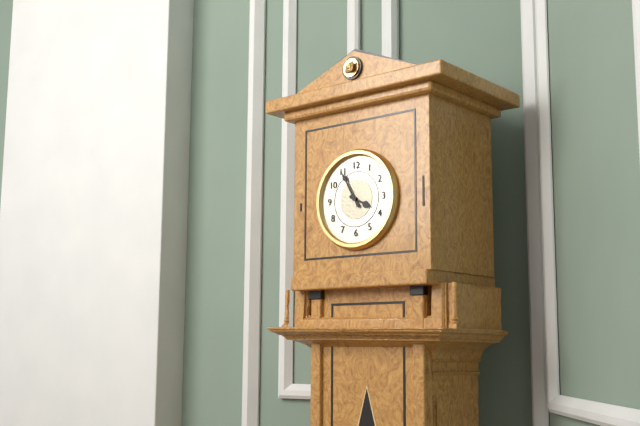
3:55
